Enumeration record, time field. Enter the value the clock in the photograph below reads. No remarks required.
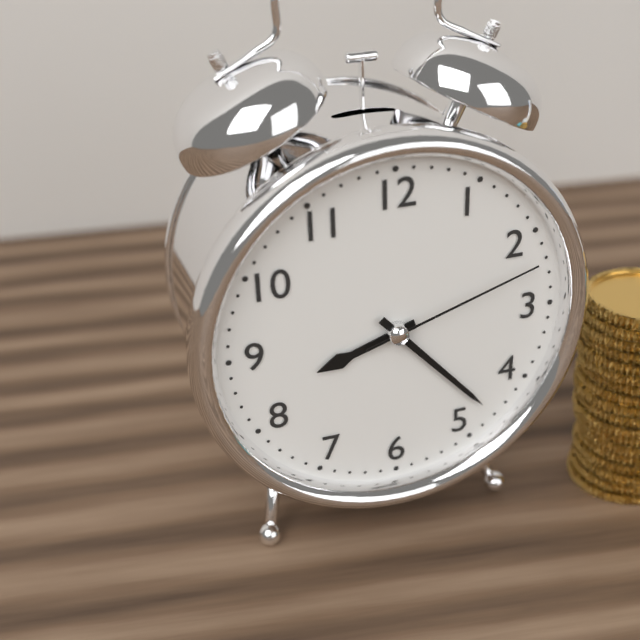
8:23:12
